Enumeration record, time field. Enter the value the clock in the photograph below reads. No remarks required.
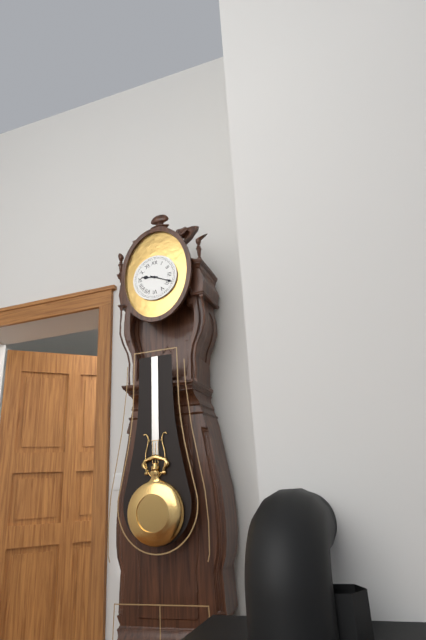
9:19
